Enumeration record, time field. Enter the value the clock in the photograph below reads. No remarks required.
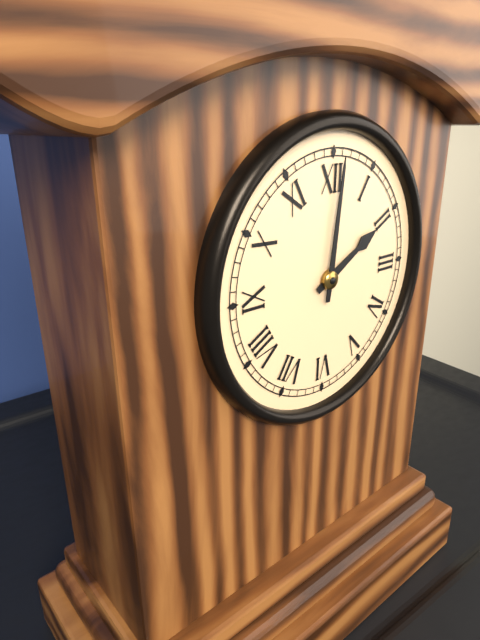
2:01
